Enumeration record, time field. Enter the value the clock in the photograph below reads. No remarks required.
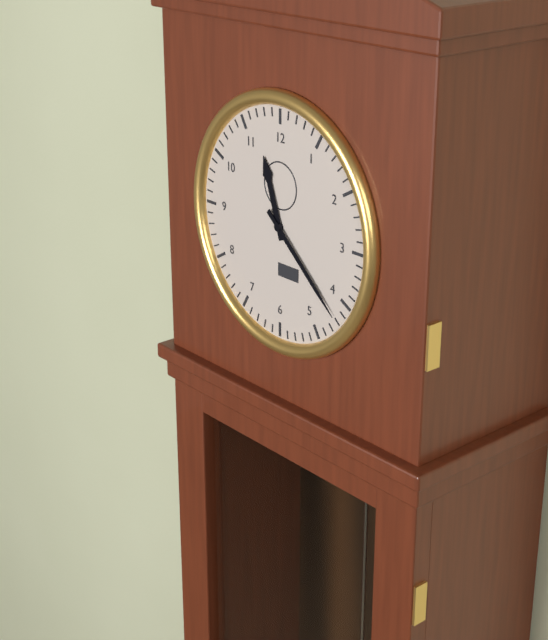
11:22
